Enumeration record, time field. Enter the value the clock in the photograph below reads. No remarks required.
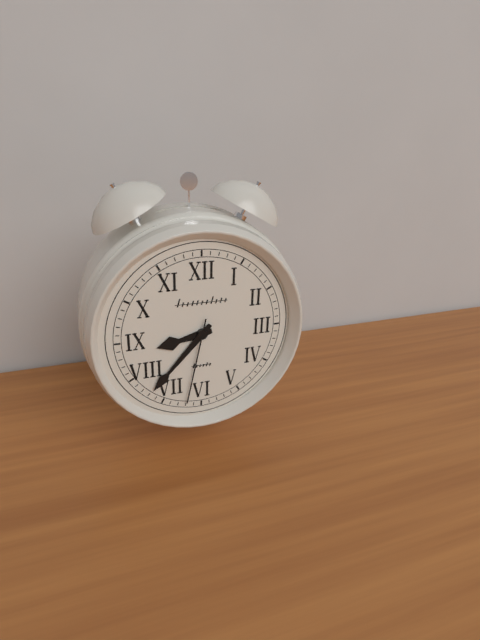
8:37:32
